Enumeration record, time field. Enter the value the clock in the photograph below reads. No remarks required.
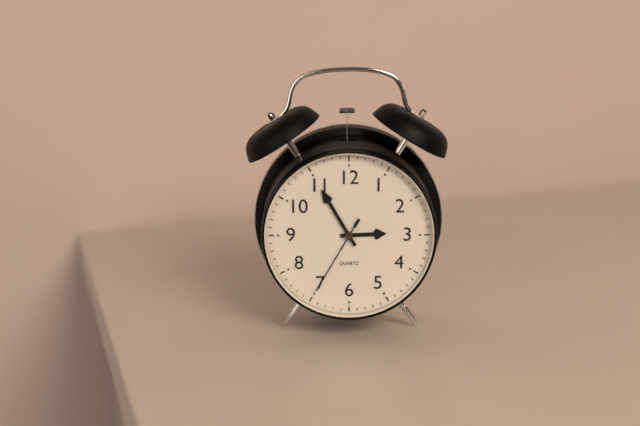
2:55:35
